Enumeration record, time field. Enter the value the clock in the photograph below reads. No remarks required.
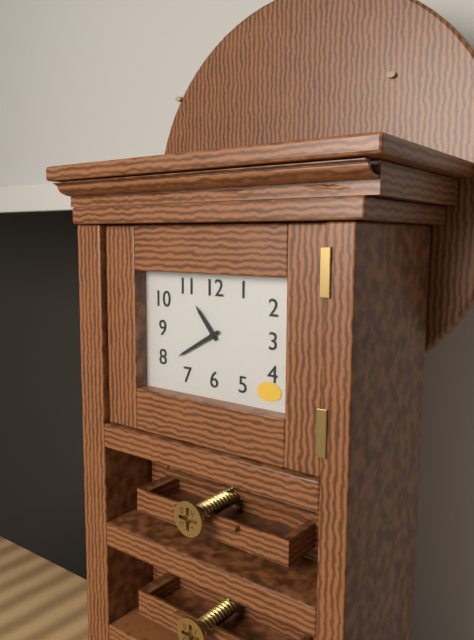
10:40
